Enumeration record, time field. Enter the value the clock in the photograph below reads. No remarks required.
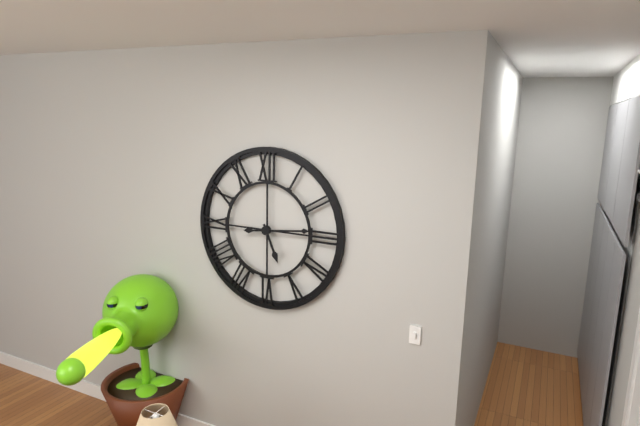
5:14
